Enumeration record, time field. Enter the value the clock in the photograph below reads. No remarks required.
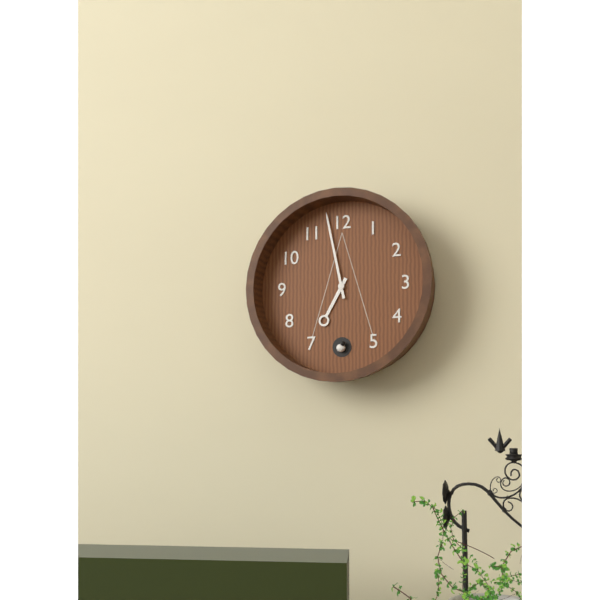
6:58
